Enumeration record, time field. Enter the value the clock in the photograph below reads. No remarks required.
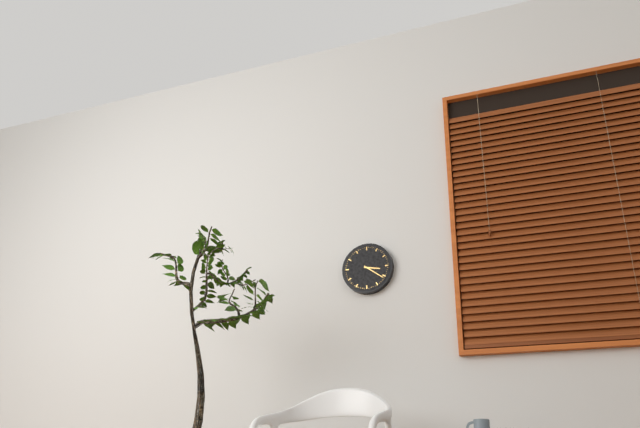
3:21
